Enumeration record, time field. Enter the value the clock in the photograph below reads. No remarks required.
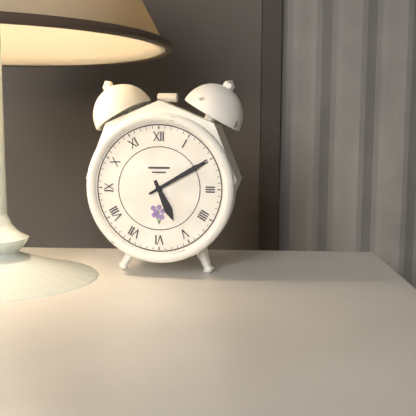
5:10
